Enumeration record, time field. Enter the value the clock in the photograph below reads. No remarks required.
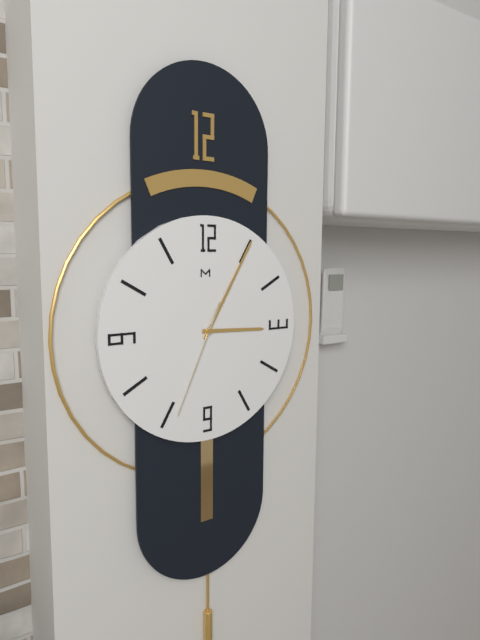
3:05:34
